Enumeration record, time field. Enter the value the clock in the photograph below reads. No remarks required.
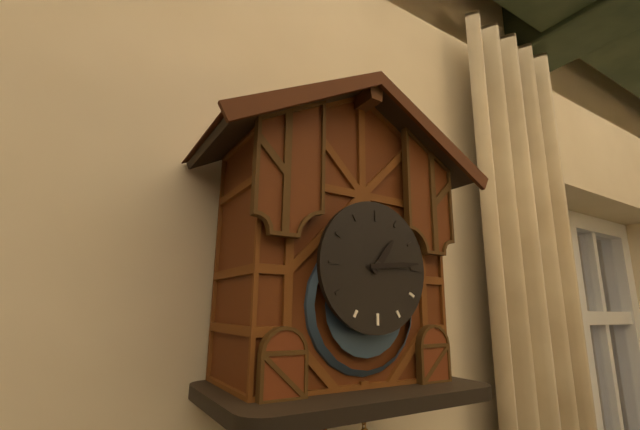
1:14
